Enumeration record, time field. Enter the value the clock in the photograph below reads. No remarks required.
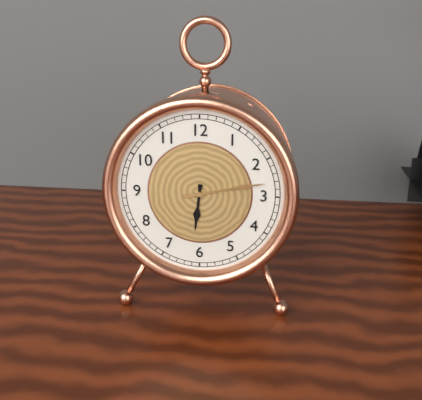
6:13
